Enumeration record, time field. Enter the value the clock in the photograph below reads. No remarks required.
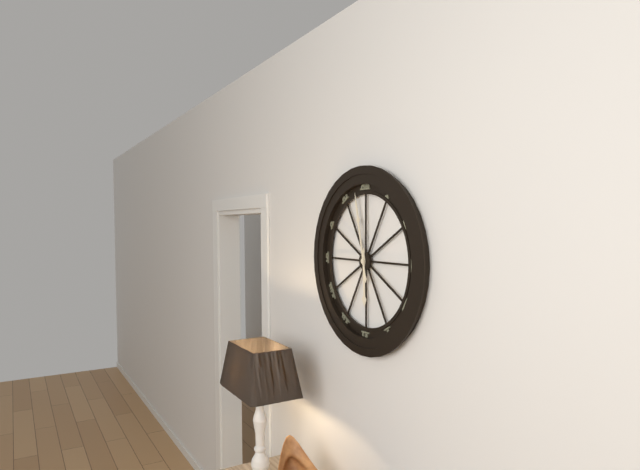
5:58
